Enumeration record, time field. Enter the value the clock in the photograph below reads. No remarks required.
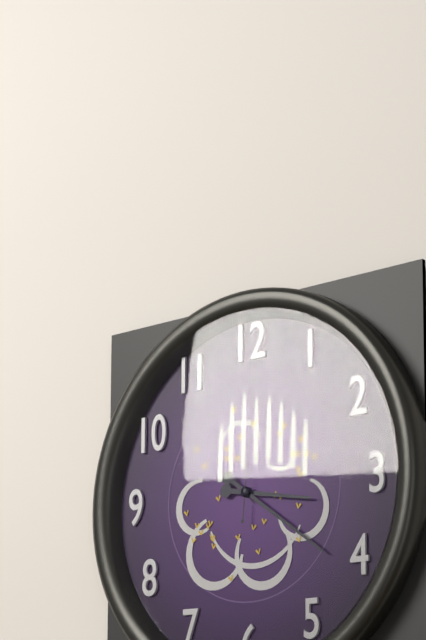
3:21:01
